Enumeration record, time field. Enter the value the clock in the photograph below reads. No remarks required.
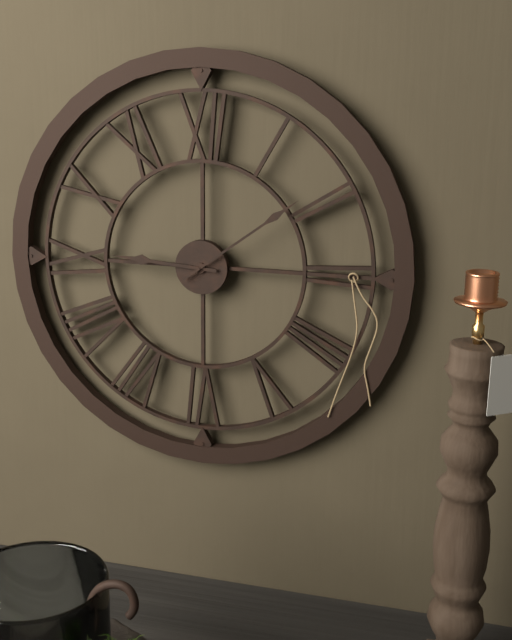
9:09
